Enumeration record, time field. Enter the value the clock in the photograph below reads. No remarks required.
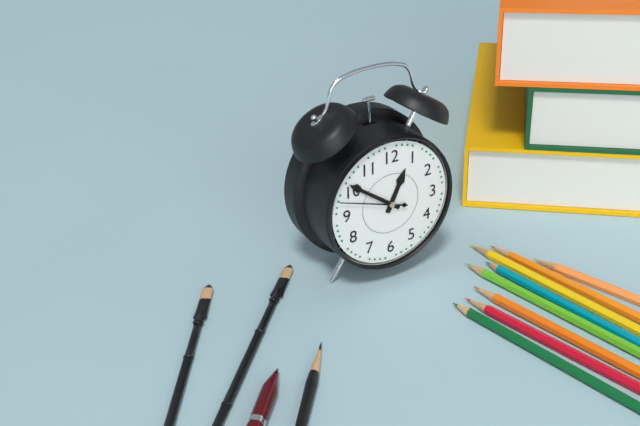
12:51:48
